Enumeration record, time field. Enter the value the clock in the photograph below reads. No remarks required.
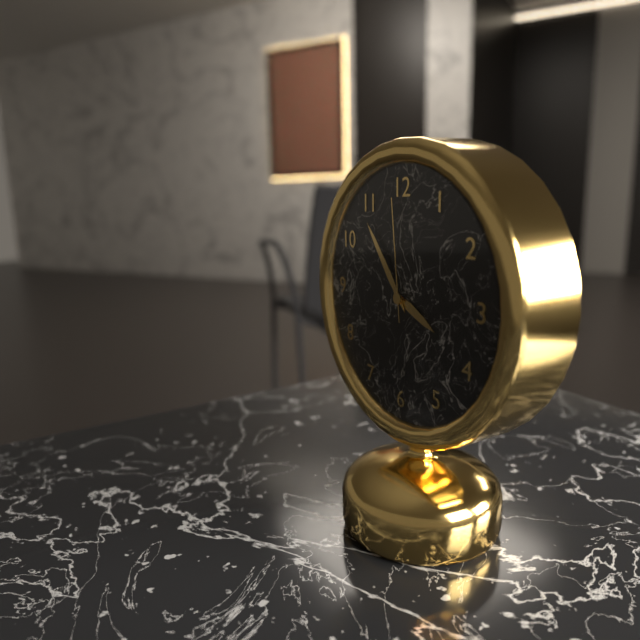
3:54:59
